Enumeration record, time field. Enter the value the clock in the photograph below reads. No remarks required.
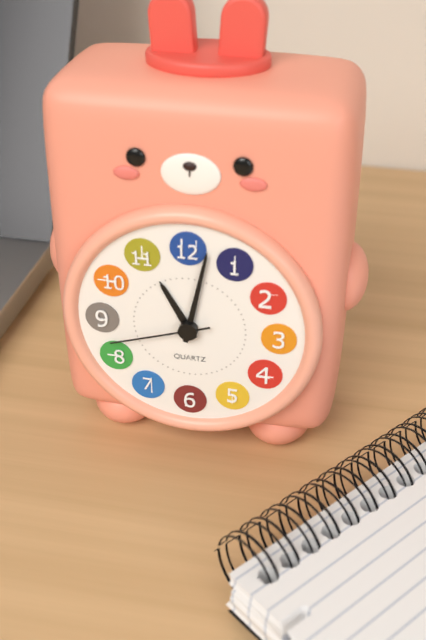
11:02:42
